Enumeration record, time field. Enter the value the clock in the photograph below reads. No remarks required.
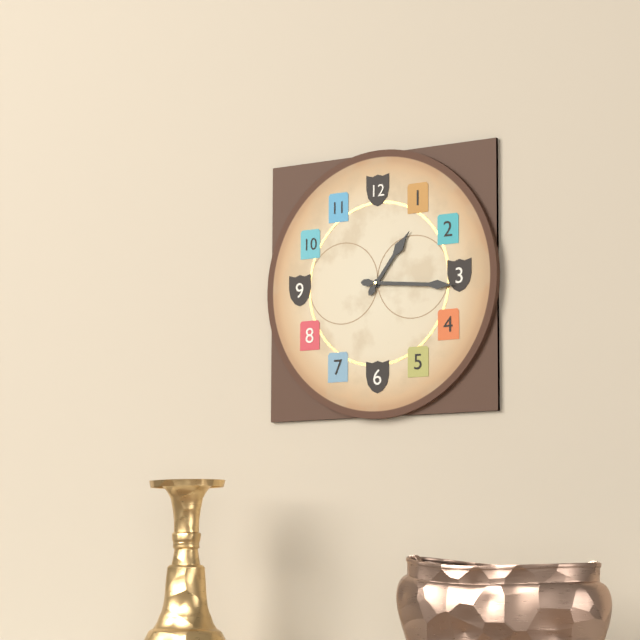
1:16
